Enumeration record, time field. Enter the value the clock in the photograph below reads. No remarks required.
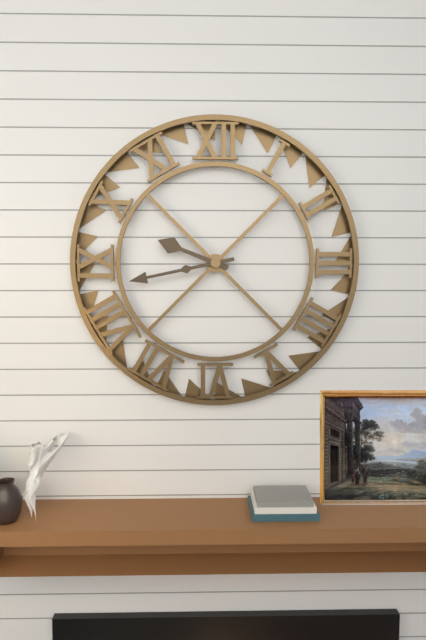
9:43
